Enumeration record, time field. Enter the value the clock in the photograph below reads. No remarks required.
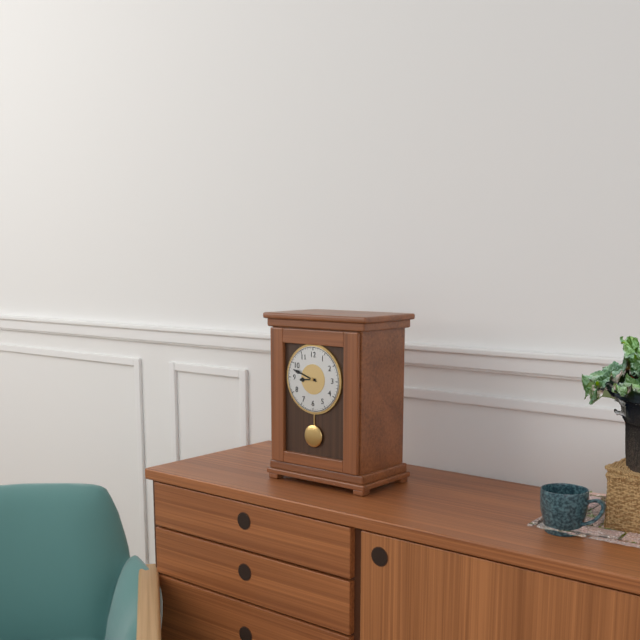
8:48
